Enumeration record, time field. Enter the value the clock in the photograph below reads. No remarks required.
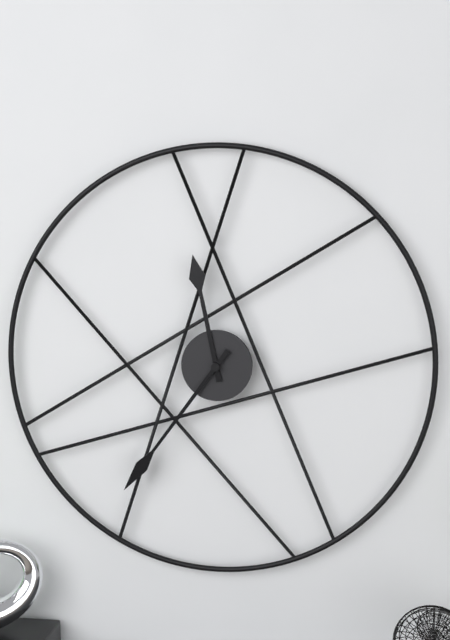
11:36
